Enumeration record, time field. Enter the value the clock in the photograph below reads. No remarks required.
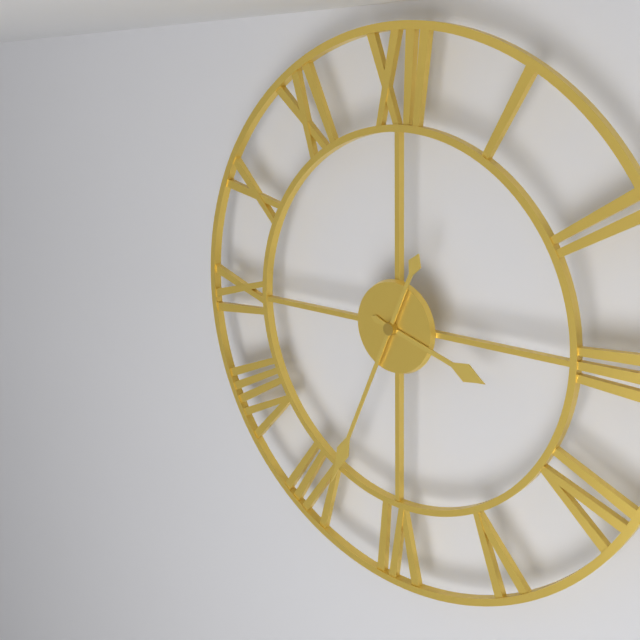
3:34
